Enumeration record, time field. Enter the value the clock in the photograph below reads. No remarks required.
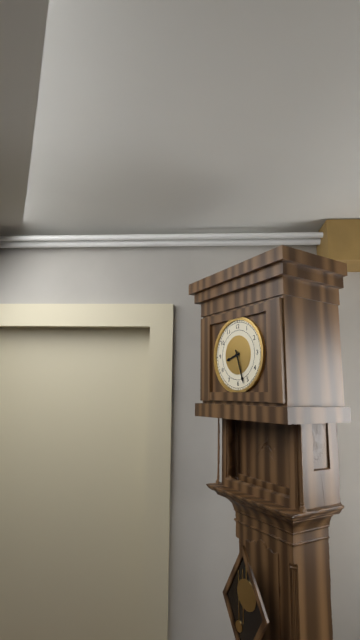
8:27
